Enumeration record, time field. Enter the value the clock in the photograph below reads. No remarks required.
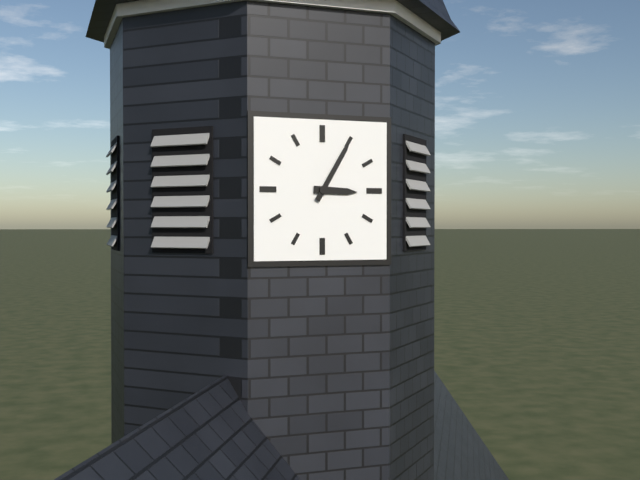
3:05
